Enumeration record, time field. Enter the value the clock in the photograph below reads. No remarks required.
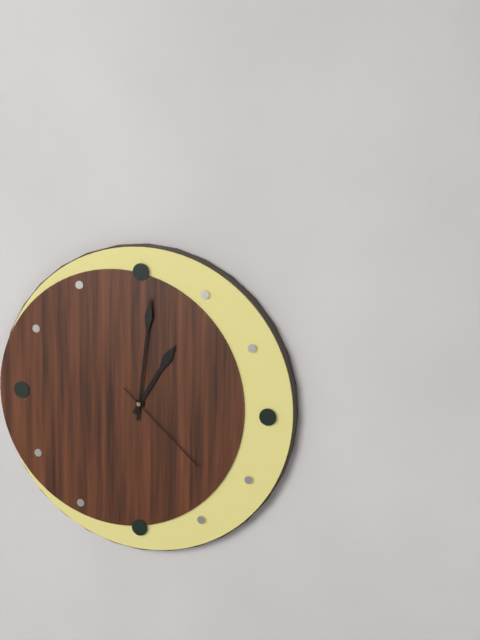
1:01:22
